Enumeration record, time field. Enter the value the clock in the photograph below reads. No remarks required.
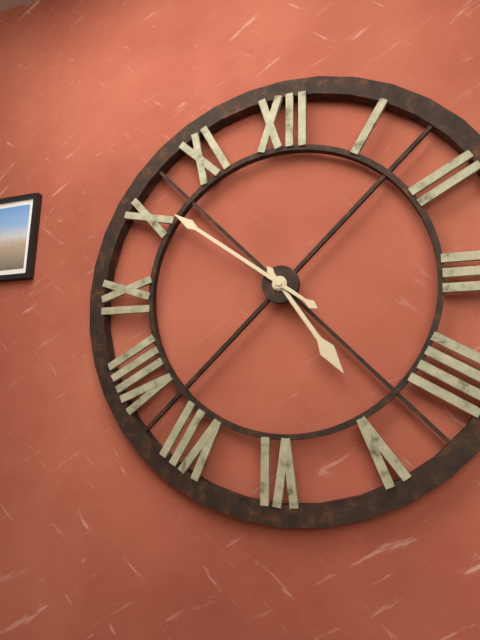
4:51
